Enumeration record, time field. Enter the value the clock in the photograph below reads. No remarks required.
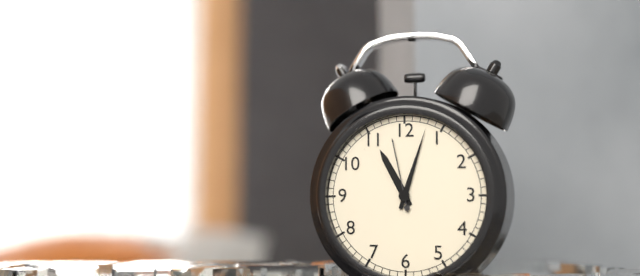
11:03:58
